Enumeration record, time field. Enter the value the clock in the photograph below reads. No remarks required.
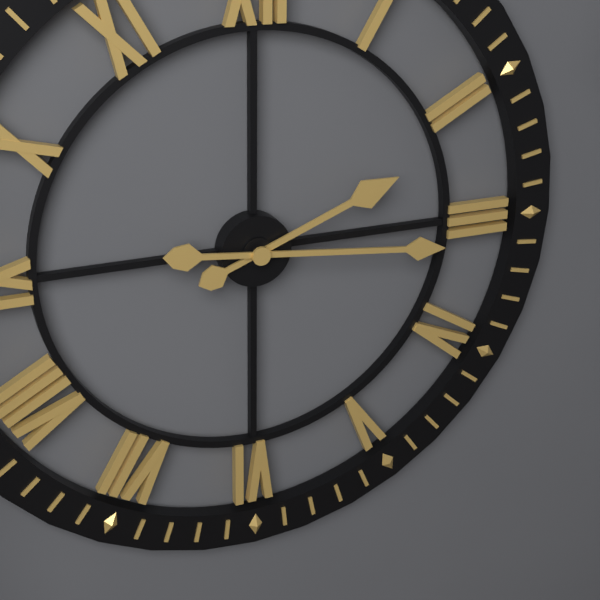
2:16
